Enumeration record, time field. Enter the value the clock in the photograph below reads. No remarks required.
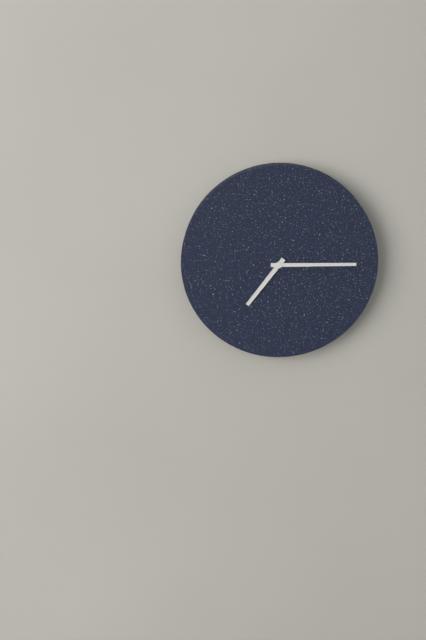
7:15
